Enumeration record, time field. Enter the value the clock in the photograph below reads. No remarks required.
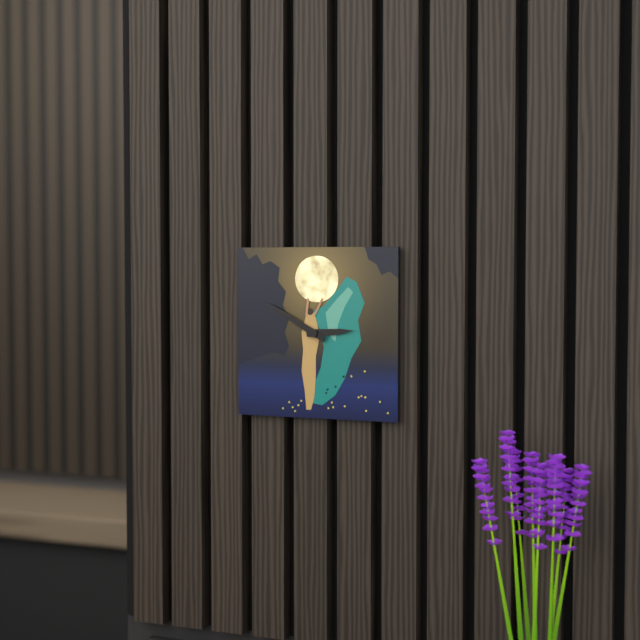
2:50
